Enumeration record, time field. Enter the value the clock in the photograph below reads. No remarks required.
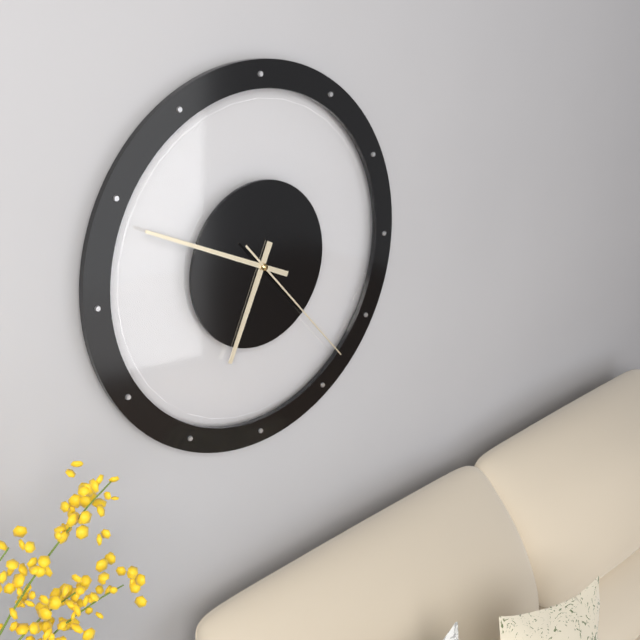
6:49:23
